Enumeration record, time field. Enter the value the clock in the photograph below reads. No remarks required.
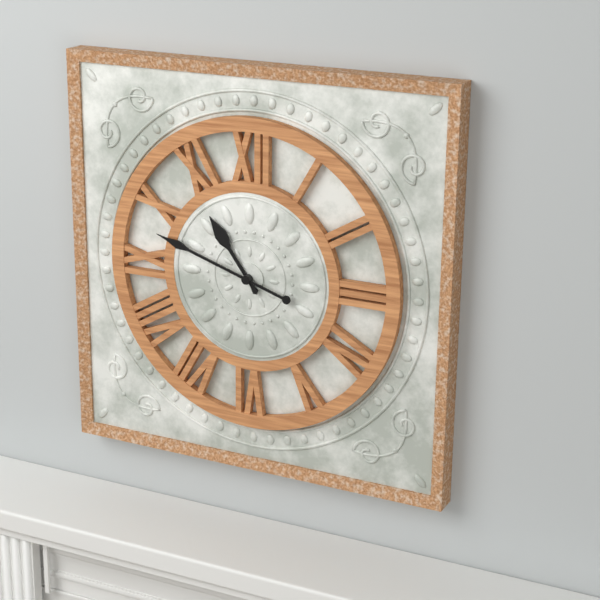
10:48
